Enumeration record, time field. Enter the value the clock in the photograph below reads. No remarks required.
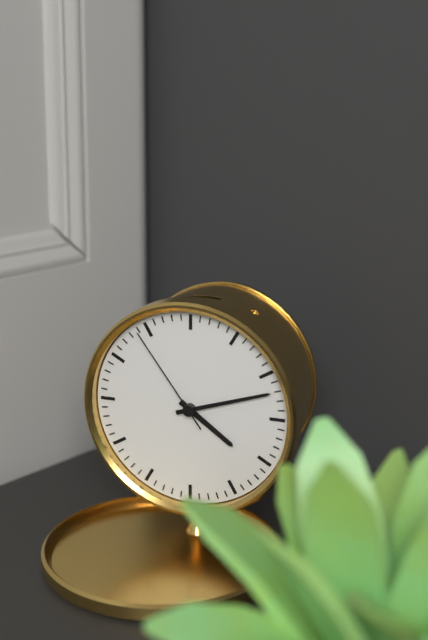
4:12:54
